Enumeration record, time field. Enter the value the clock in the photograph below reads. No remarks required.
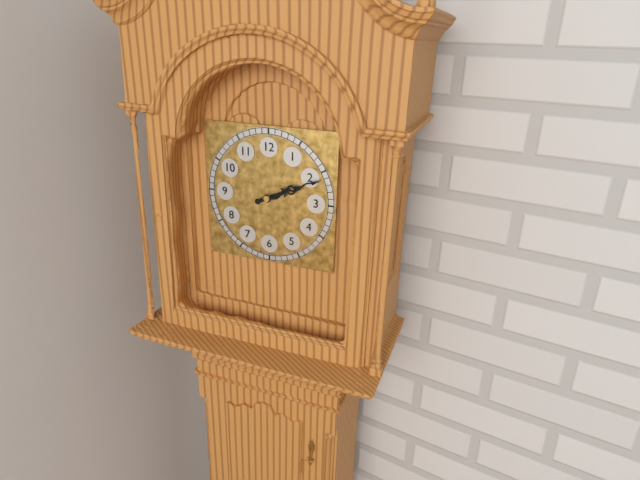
2:11
